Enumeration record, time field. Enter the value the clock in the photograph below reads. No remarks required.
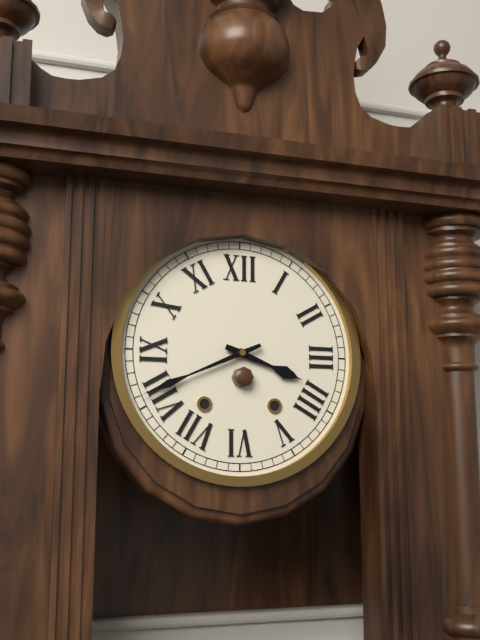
3:41
